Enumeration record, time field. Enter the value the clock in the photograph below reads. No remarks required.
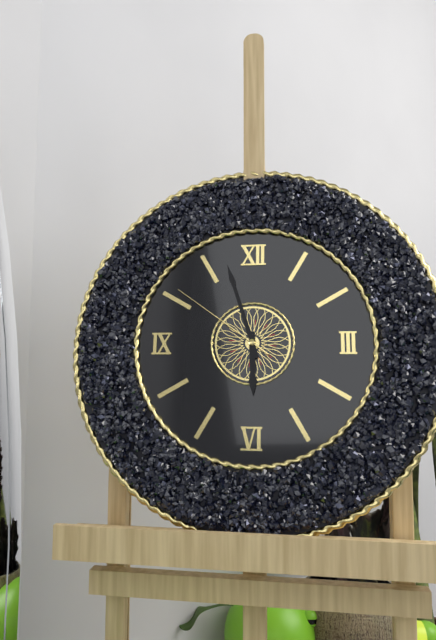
5:57:51
